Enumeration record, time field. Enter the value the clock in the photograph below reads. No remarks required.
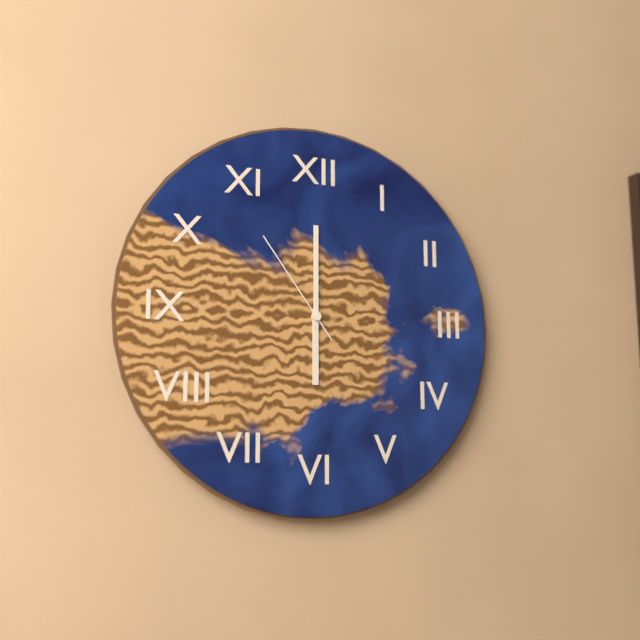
6:00:54
